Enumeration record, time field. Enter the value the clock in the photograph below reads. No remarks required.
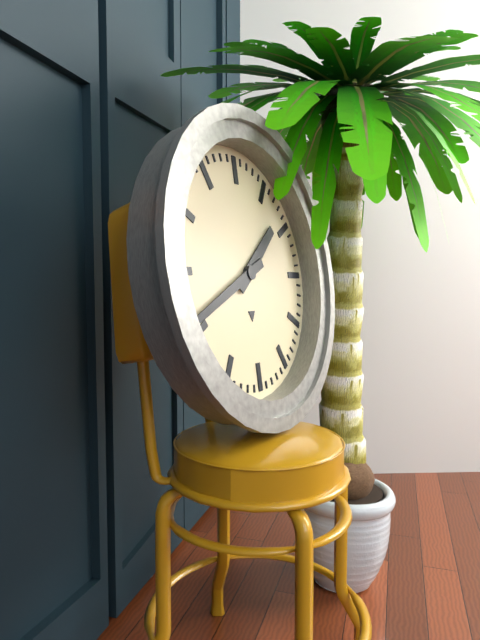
1:41
